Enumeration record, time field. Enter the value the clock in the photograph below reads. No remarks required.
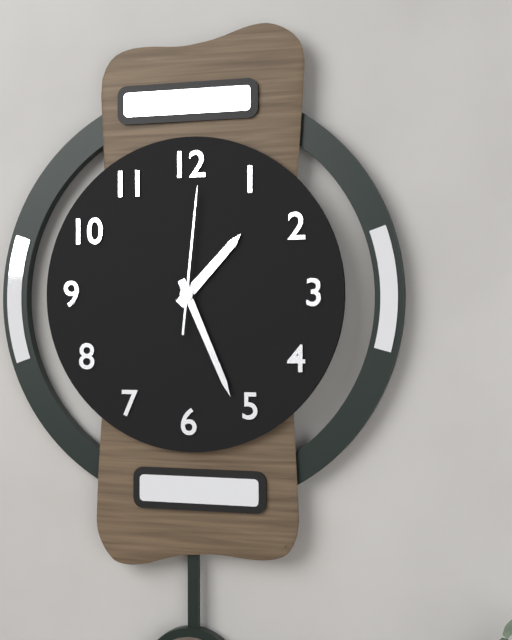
1:26:01
